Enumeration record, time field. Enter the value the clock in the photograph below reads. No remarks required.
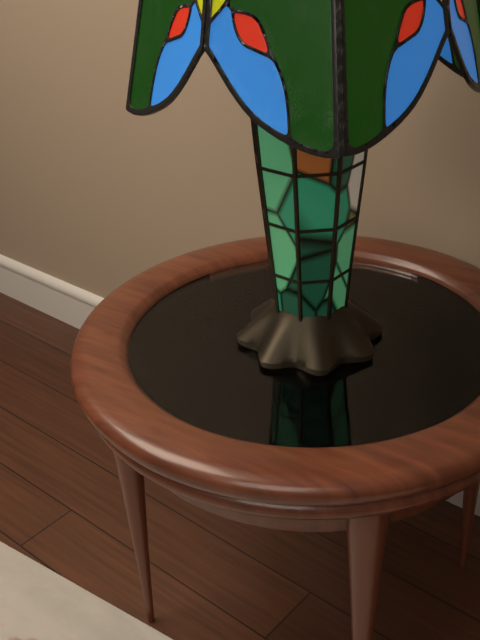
2:50
